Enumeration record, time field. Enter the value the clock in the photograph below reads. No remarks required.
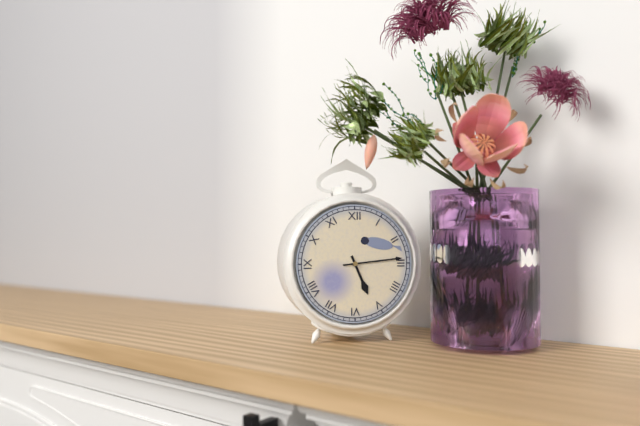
5:14
